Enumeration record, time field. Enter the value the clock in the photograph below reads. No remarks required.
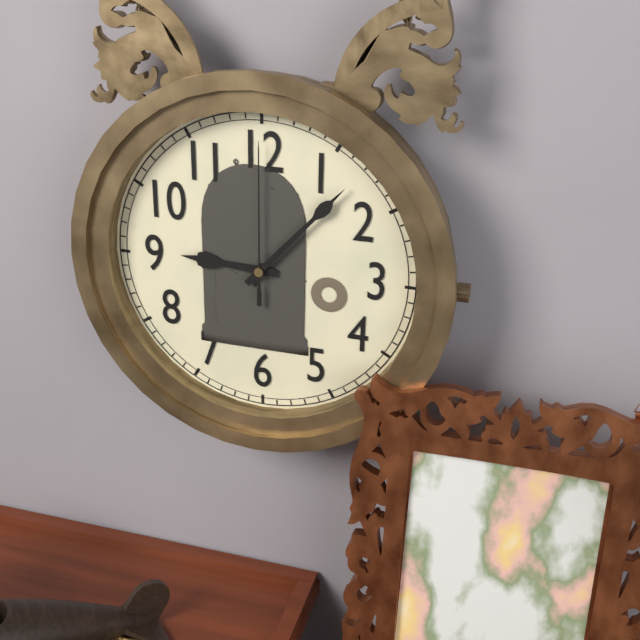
9:07:00
